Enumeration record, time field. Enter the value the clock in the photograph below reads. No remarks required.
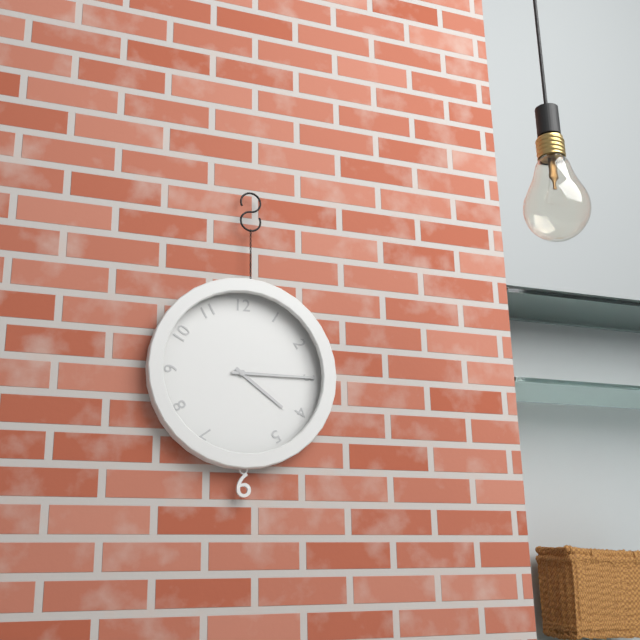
4:15
